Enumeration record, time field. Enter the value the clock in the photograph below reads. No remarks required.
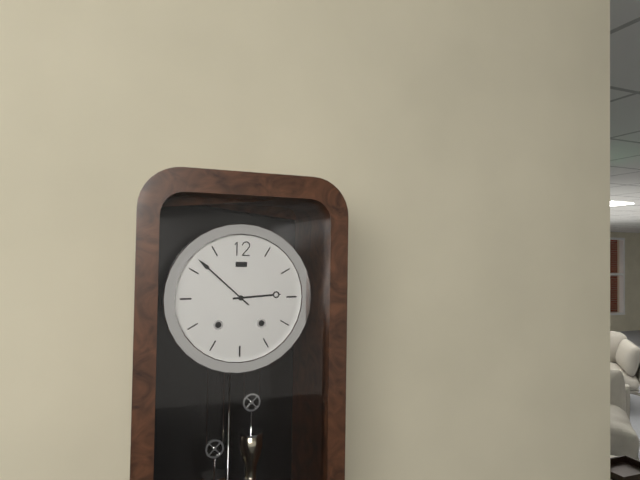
2:52
